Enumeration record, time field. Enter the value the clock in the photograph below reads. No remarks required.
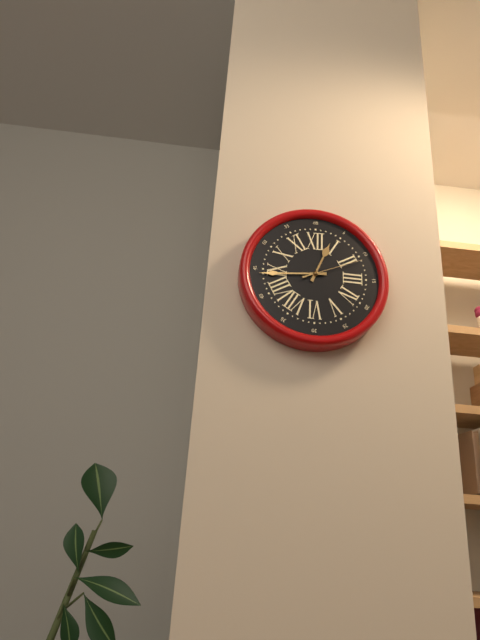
12:44:11
